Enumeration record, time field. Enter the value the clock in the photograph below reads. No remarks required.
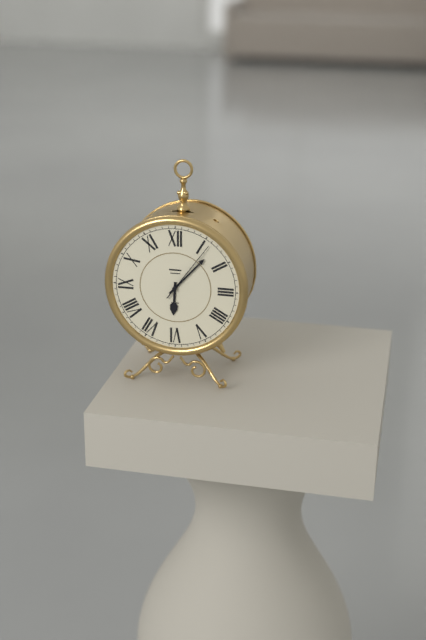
6:07:06
